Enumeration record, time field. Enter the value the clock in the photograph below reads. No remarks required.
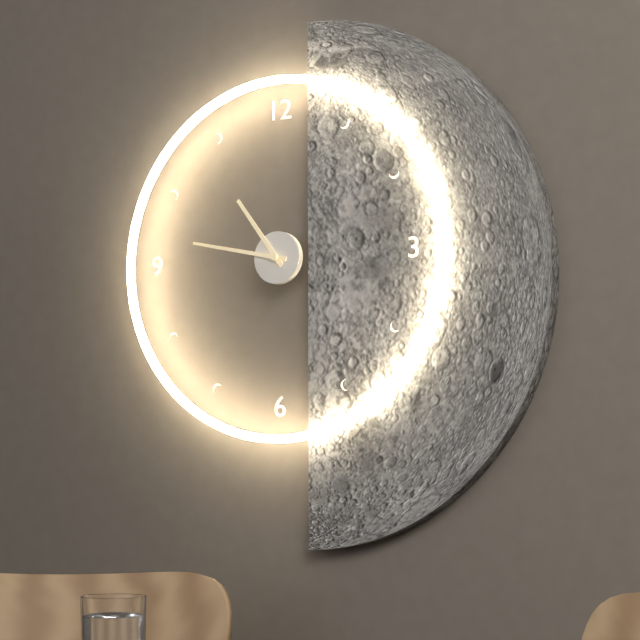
10:47
